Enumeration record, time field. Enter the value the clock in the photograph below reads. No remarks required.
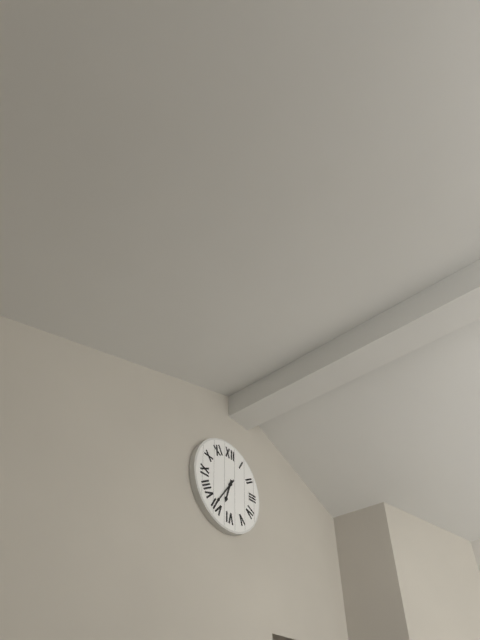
6:36
